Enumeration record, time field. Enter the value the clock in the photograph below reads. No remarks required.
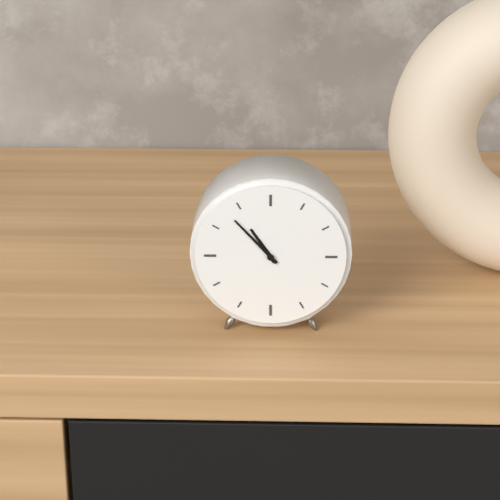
10:53
